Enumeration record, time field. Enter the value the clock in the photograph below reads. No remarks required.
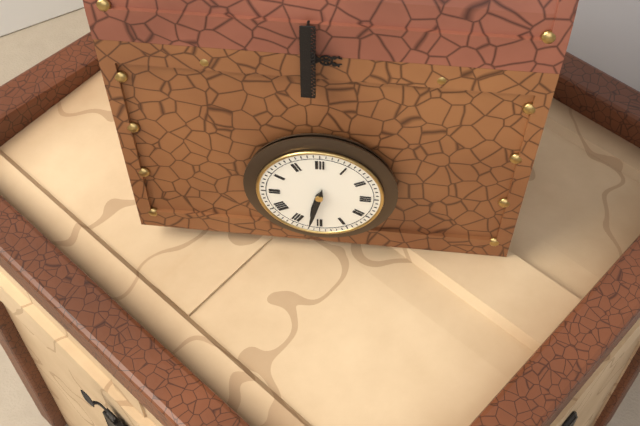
6:32
